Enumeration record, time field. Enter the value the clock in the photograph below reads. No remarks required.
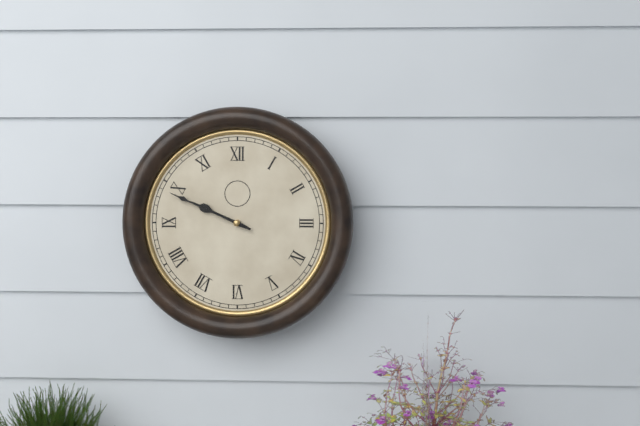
9:49
